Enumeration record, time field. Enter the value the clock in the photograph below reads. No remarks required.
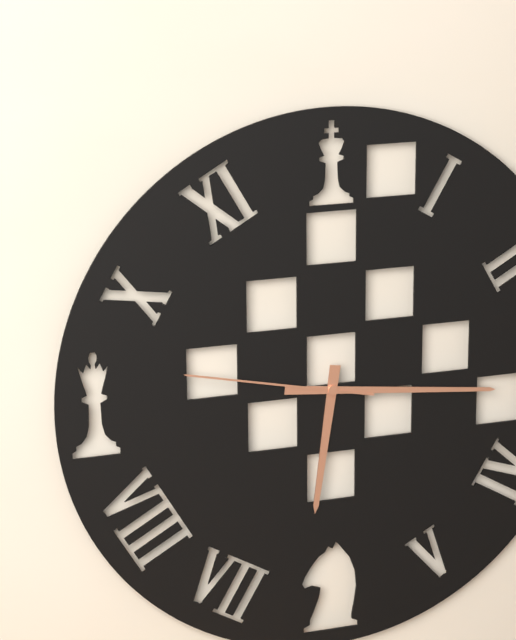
6:16:47
